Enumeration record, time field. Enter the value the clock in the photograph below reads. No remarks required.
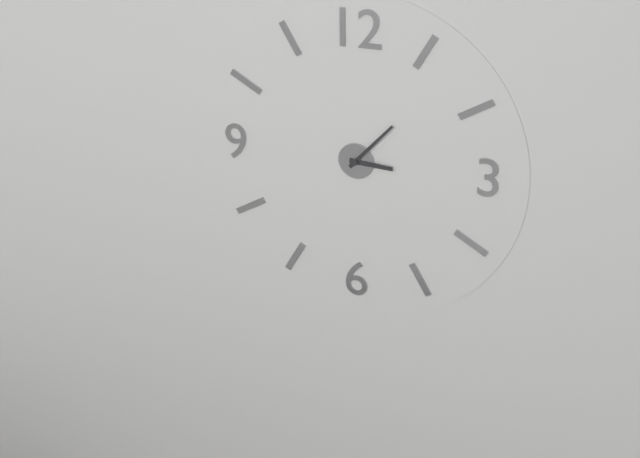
3:07
